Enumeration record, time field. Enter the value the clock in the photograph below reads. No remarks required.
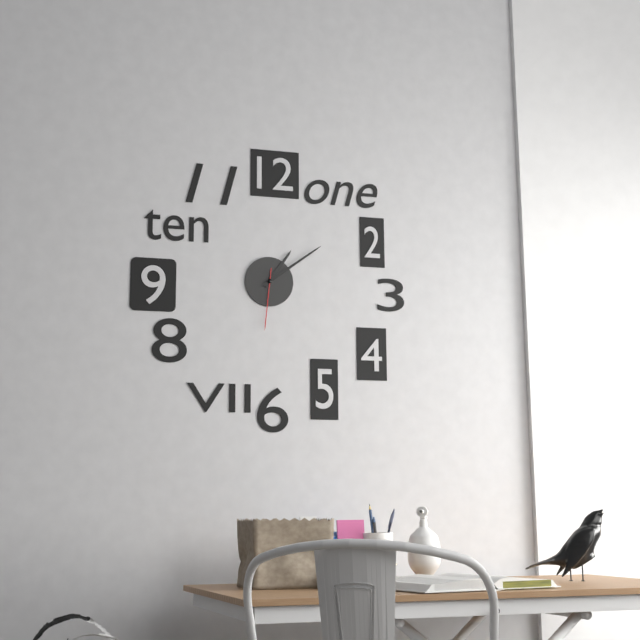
1:09:31
